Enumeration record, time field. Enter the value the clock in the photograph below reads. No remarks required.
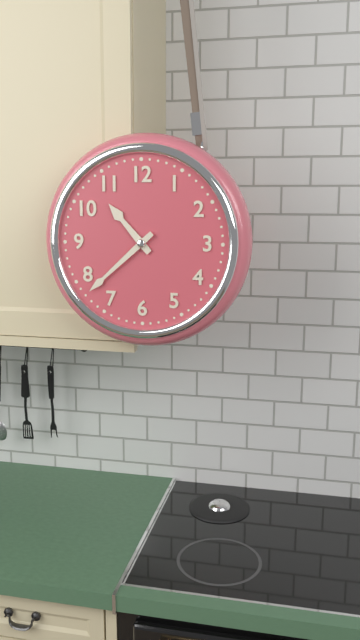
10:38
